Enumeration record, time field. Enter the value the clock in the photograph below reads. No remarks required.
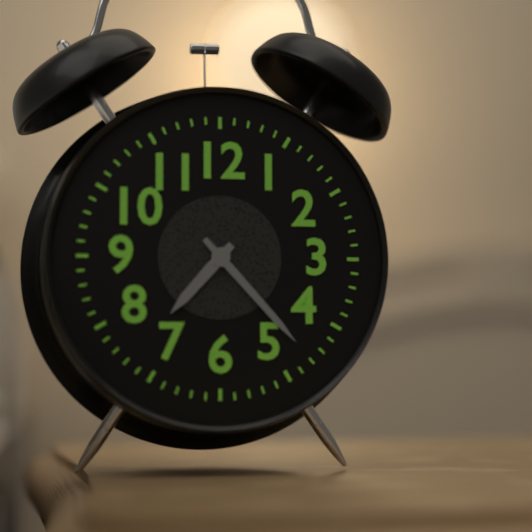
7:23
